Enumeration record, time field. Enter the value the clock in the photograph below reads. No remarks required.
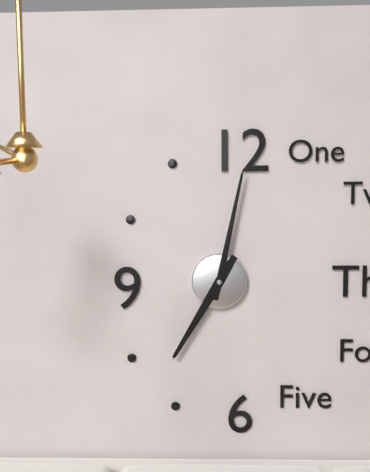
7:02
